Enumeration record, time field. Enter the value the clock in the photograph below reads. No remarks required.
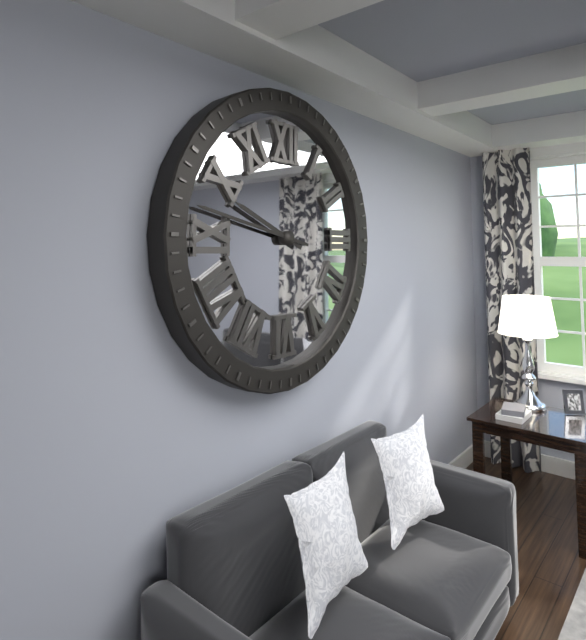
9:47
